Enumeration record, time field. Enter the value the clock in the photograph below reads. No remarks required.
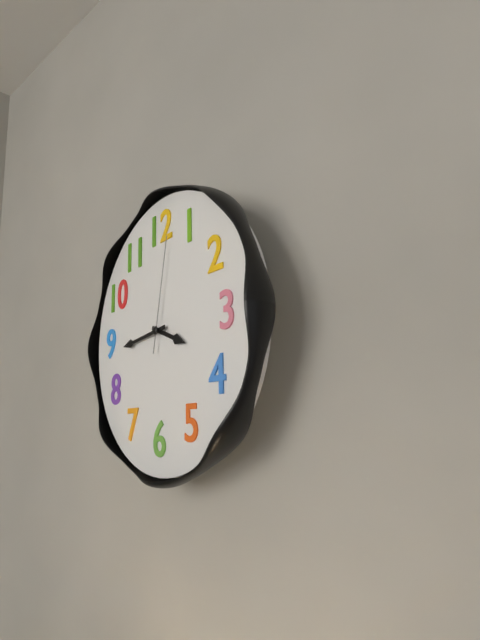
3:44:02
